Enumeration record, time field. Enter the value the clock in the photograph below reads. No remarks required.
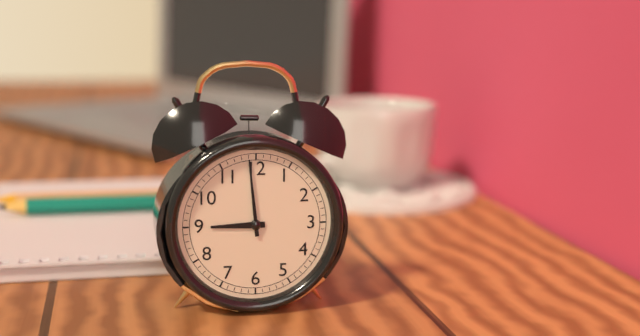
8:59
